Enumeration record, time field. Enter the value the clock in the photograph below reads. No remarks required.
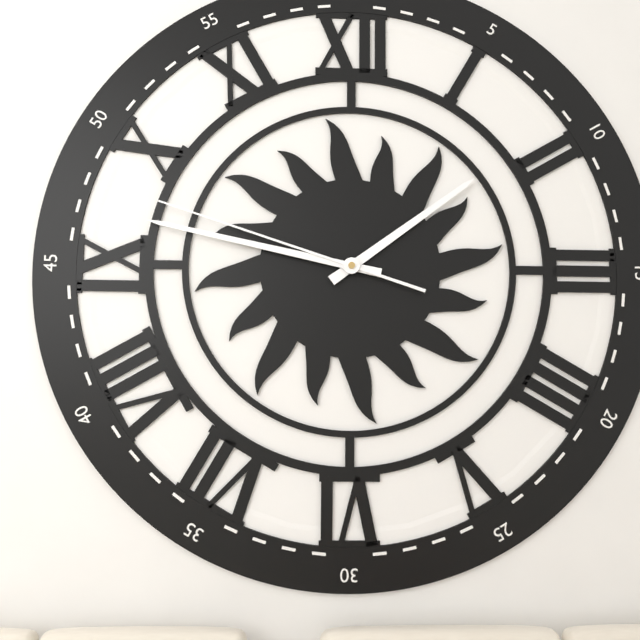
1:47:48
